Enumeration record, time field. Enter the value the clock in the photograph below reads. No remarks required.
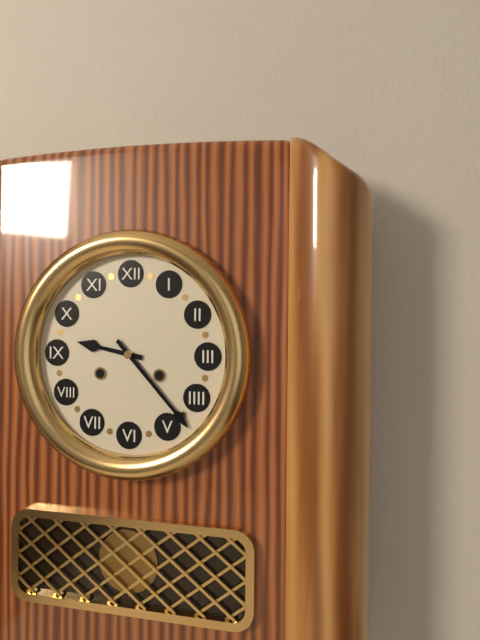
9:23
